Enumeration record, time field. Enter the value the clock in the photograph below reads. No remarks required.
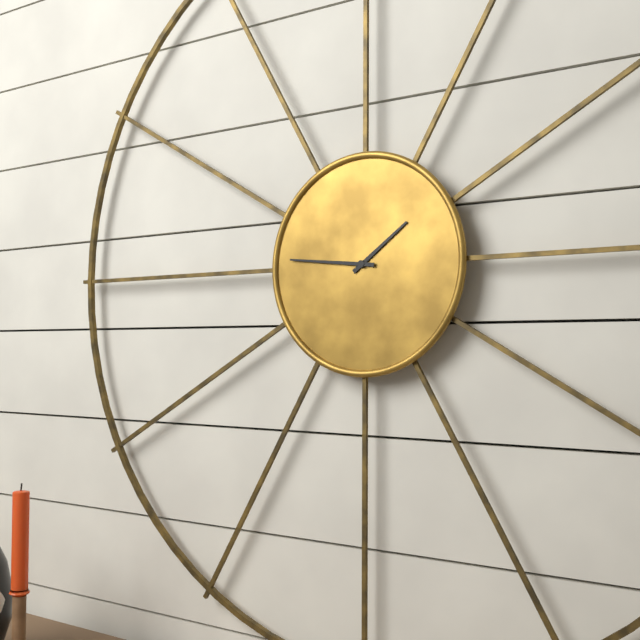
1:46
